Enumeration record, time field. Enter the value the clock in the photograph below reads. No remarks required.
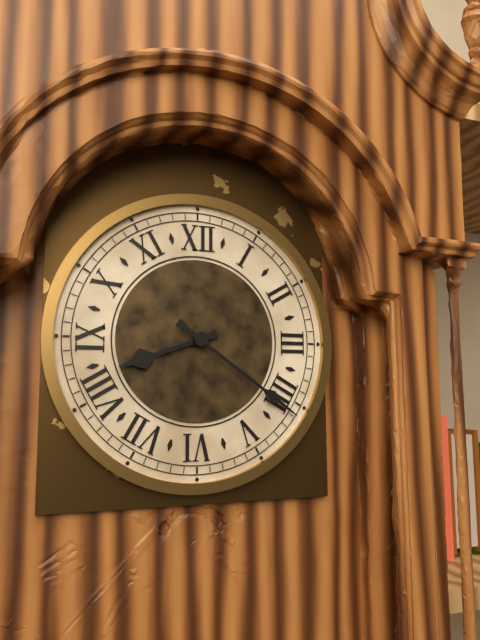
8:21
